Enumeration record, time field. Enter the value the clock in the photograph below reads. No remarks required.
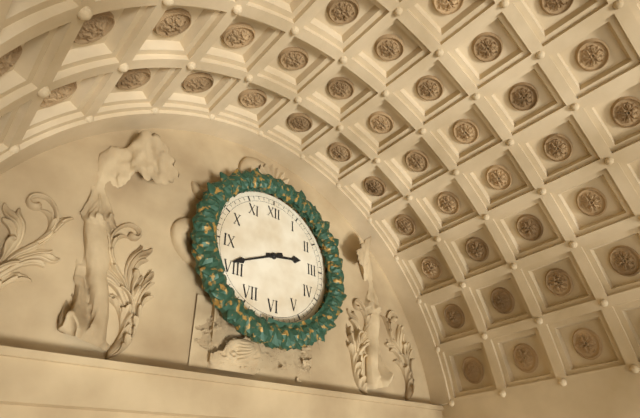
2:41
